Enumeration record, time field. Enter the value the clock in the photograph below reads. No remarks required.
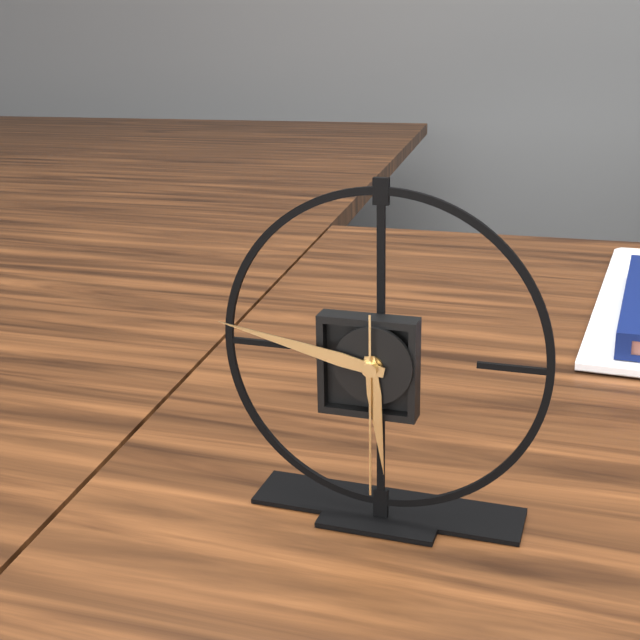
5:47:30
